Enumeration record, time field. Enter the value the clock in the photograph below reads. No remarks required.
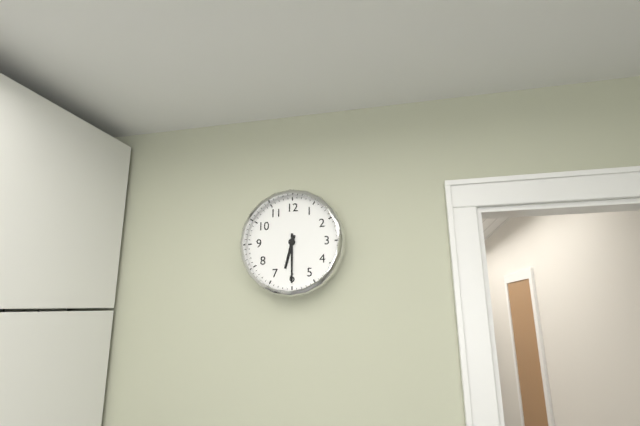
6:30
